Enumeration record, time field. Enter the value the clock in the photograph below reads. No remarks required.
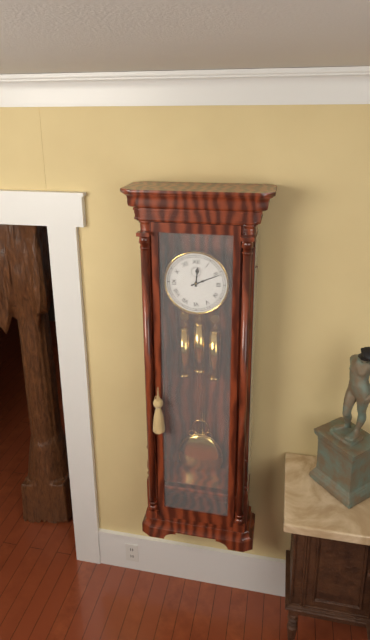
12:11
